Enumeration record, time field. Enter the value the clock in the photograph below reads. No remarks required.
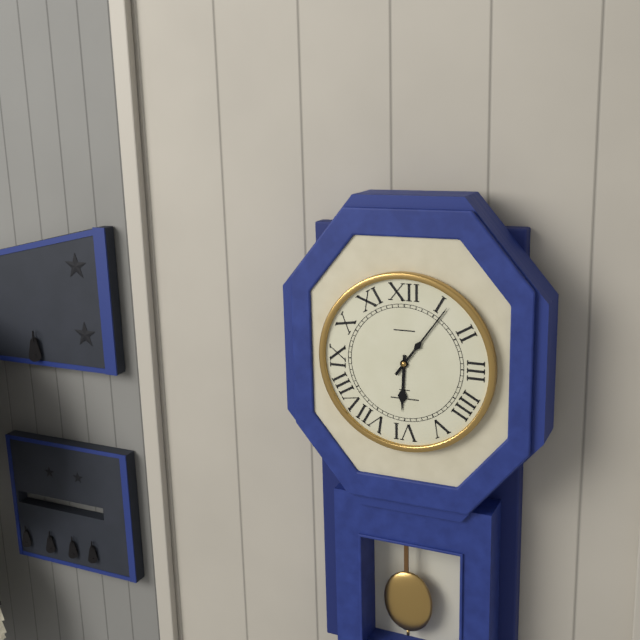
6:06
